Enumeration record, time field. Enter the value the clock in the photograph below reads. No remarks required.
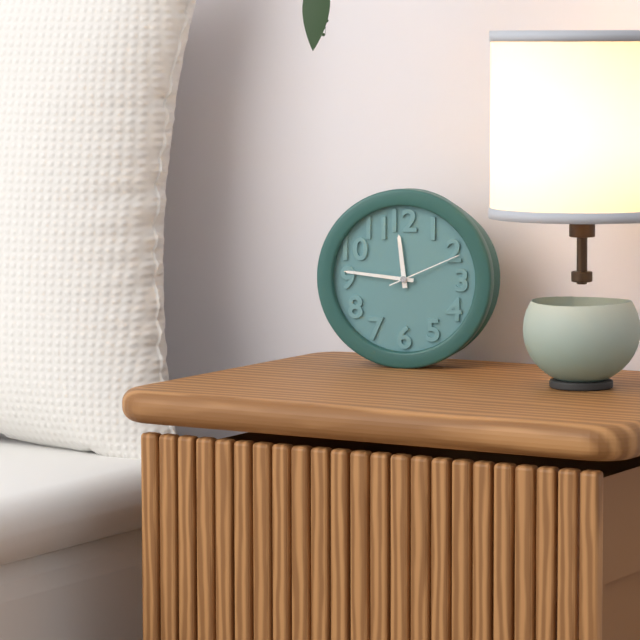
11:46:11
